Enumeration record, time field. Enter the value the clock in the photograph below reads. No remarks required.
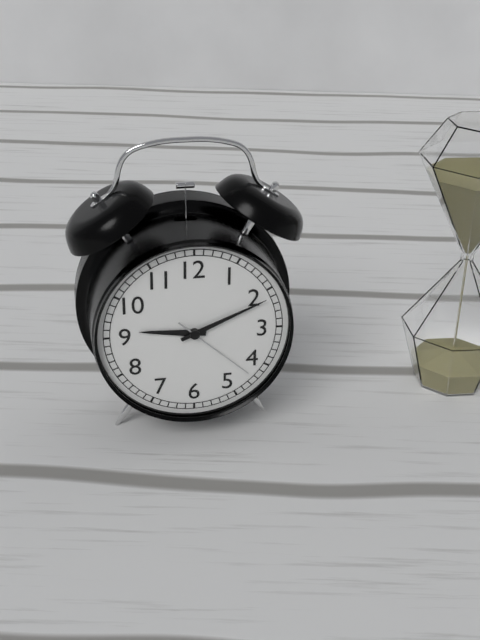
9:11:22
